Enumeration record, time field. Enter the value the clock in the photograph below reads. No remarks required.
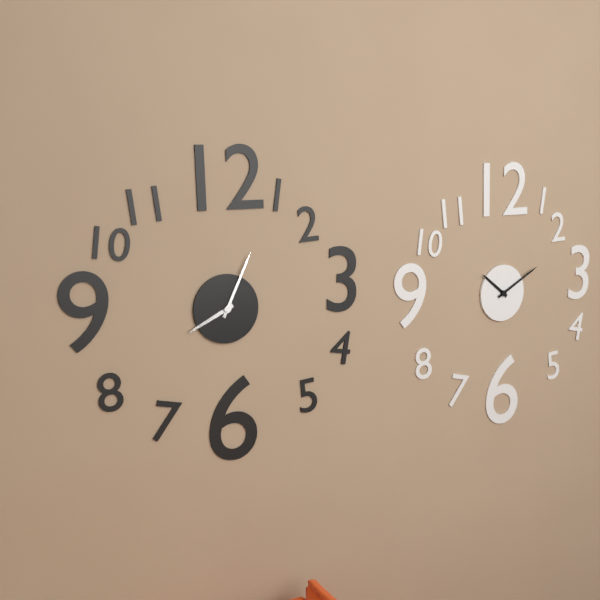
8:04
